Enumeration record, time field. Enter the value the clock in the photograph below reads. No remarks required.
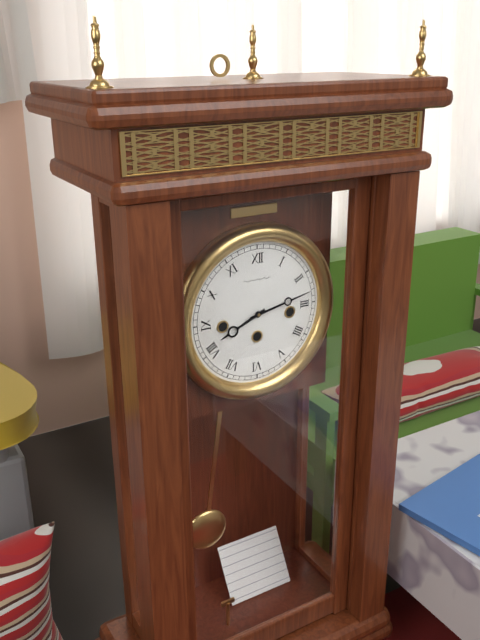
8:13
